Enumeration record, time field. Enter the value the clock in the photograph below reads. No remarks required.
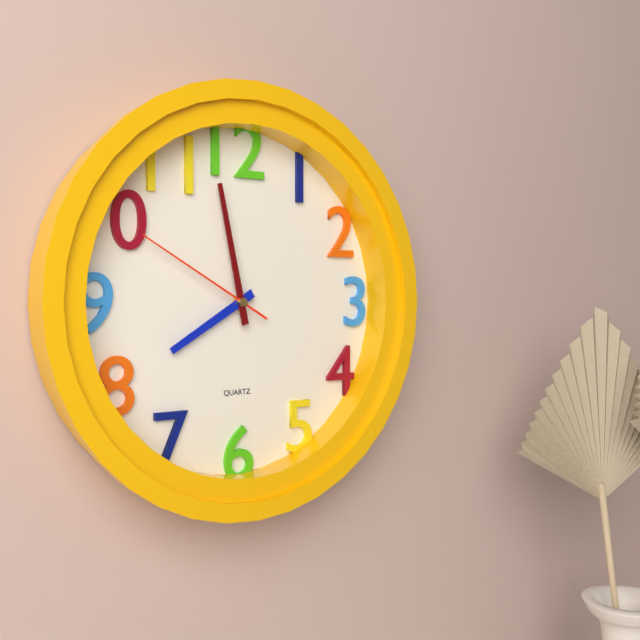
7:58:50
